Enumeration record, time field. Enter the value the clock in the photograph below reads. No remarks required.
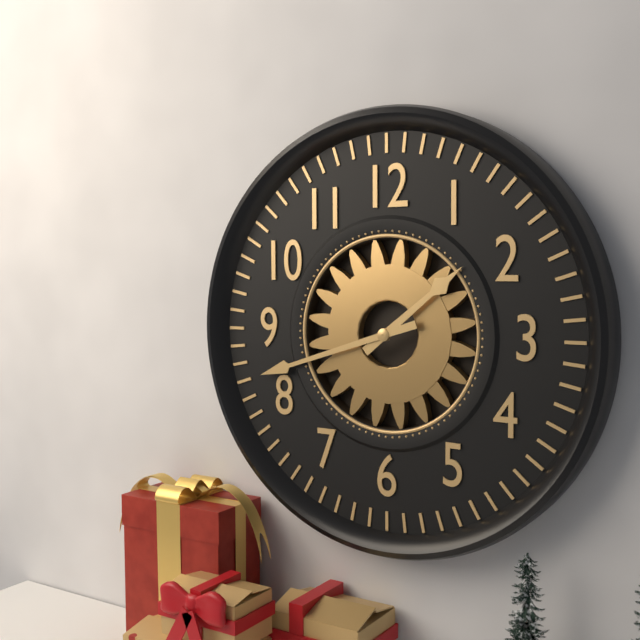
1:42
